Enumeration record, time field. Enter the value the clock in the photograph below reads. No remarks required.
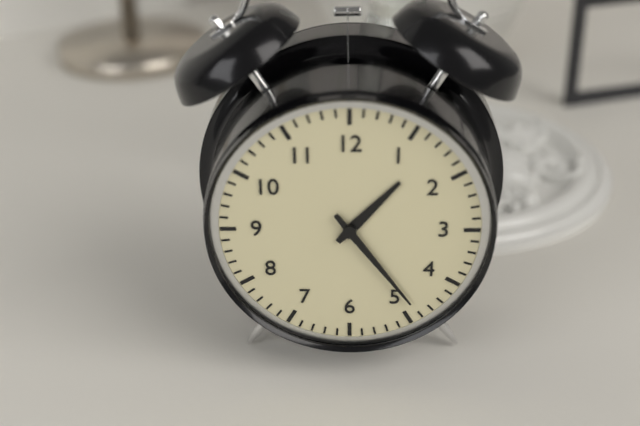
1:24
